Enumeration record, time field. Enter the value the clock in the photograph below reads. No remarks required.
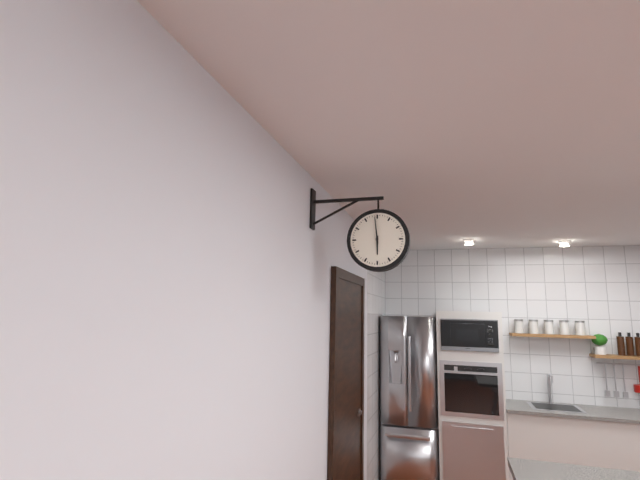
5:59
